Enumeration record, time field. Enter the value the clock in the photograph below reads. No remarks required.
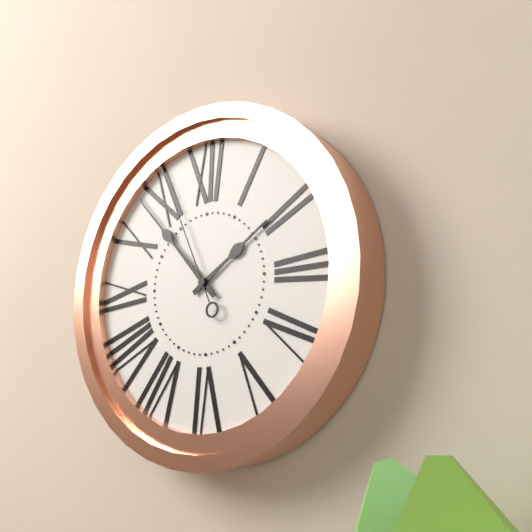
1:53:56
